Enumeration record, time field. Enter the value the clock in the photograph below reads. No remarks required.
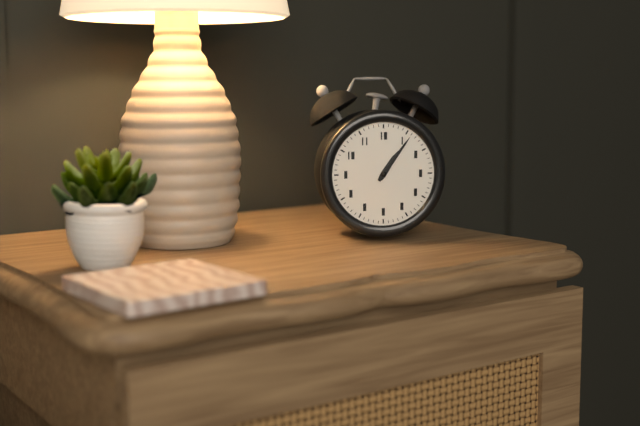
1:06
